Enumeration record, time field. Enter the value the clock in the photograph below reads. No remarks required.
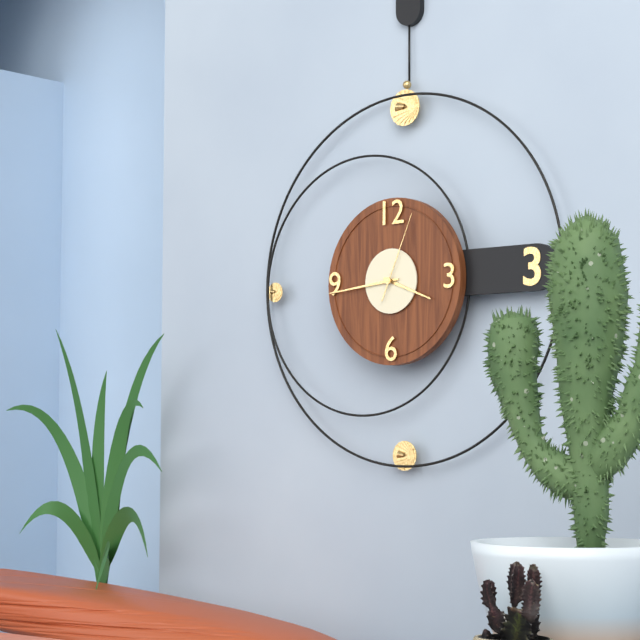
3:44:04
